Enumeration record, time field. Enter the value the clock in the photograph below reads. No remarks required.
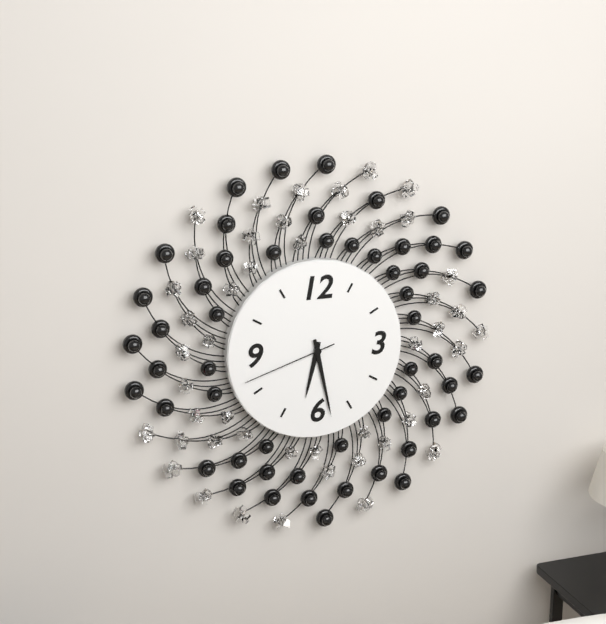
6:28:42
